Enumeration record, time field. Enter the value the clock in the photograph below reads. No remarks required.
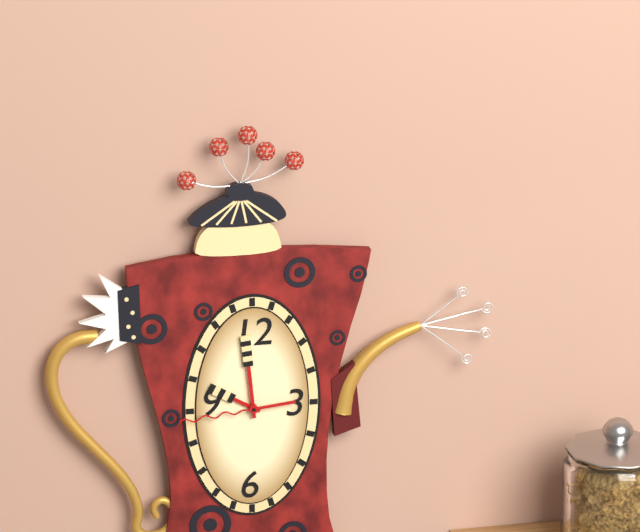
9:59:44
